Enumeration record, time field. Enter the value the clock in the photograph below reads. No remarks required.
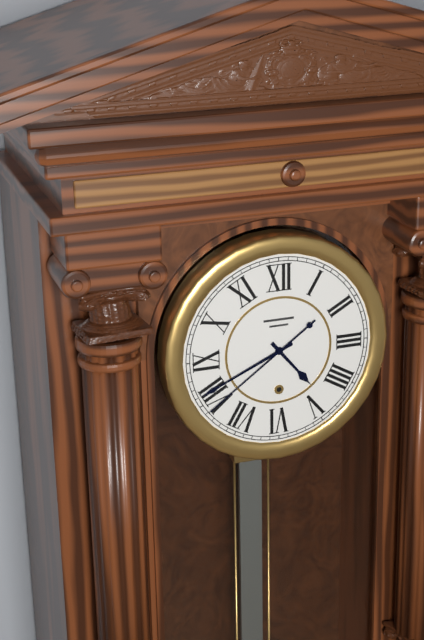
4:41:39
